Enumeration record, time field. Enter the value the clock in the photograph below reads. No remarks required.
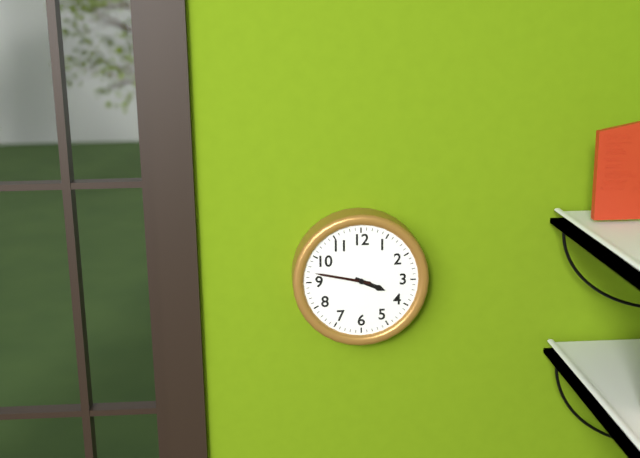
3:47
